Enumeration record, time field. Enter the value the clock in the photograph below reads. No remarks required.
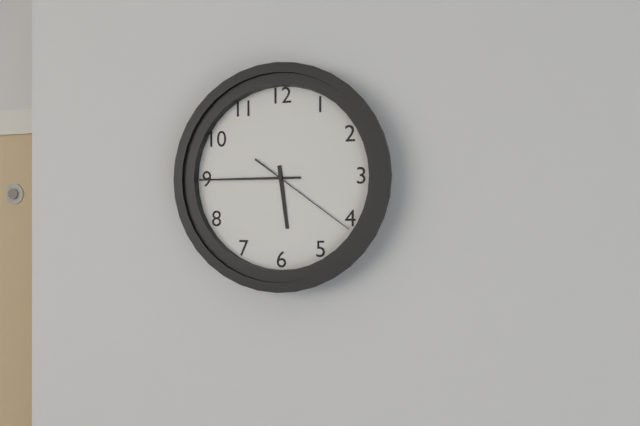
5:45:21
